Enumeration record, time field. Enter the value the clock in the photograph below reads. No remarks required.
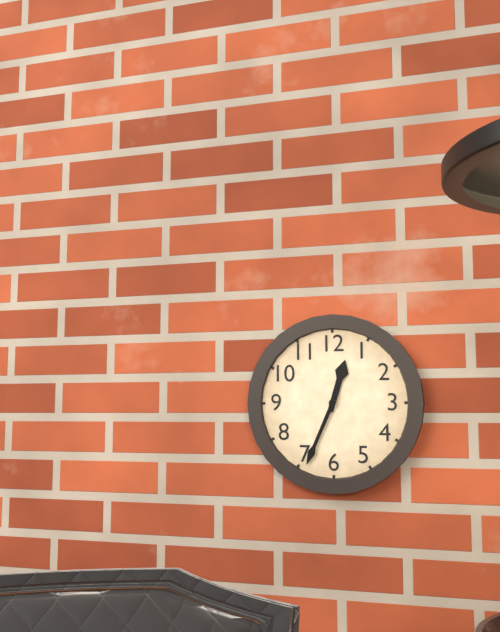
12:34
